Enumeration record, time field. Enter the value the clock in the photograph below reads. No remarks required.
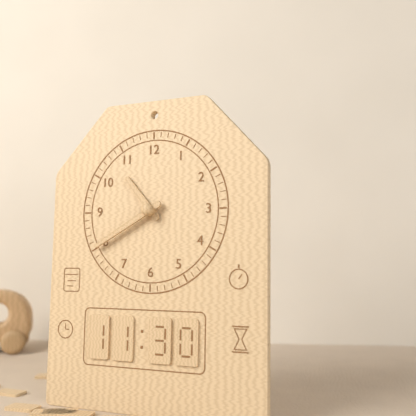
10:40
